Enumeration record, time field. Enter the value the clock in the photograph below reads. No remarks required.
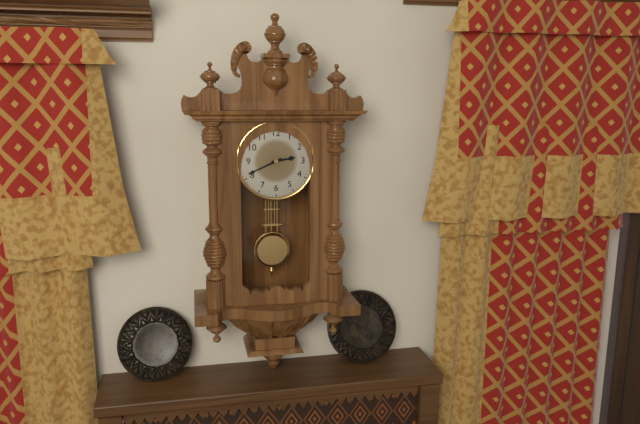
2:41
